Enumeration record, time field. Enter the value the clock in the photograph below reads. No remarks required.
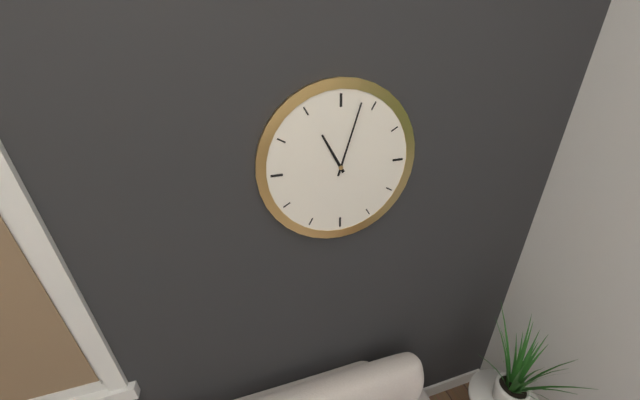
11:03
